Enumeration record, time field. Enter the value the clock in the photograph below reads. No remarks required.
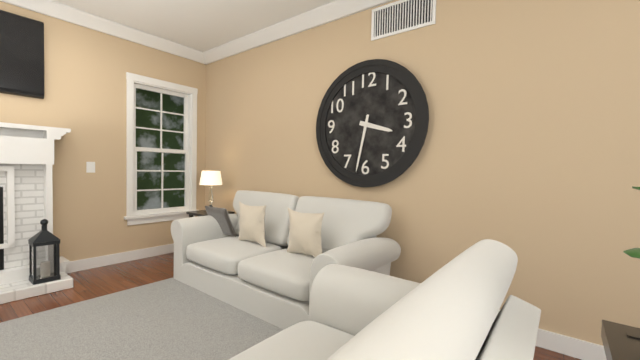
3:32
